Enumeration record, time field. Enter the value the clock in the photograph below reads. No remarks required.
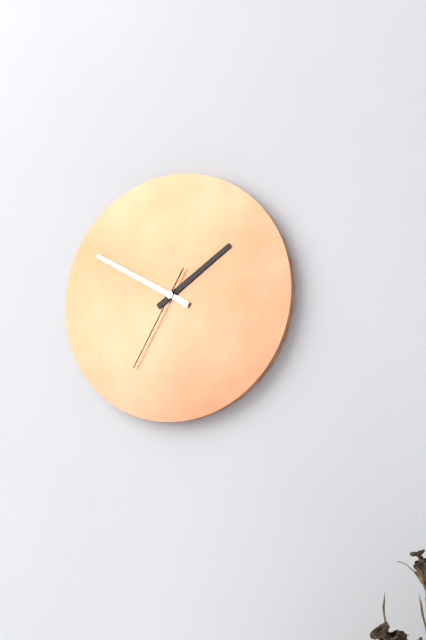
1:50:35
